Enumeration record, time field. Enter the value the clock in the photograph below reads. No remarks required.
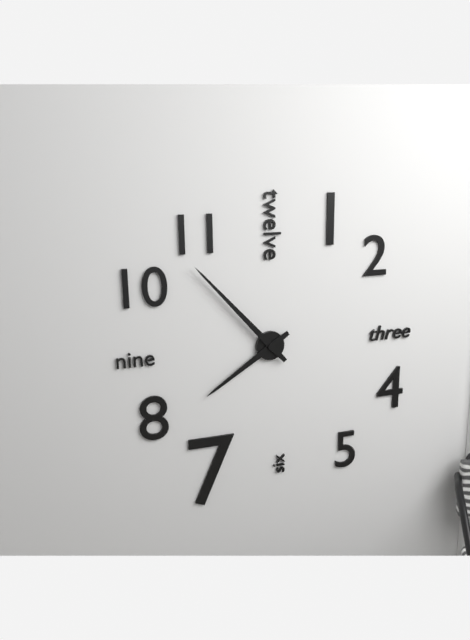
7:53
